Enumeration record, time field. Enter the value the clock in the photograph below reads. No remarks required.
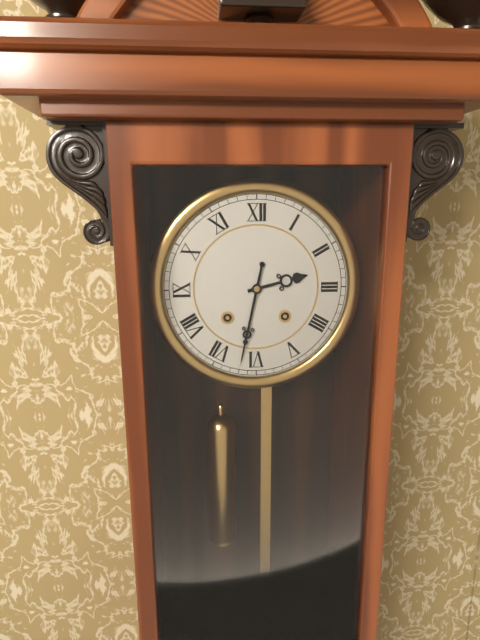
2:32
